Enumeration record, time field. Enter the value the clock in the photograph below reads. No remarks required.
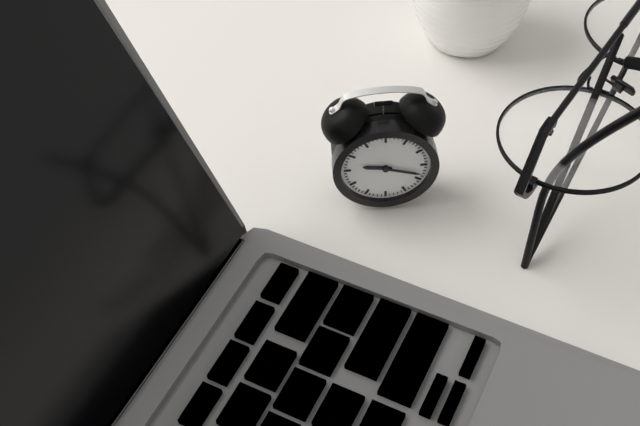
9:18
